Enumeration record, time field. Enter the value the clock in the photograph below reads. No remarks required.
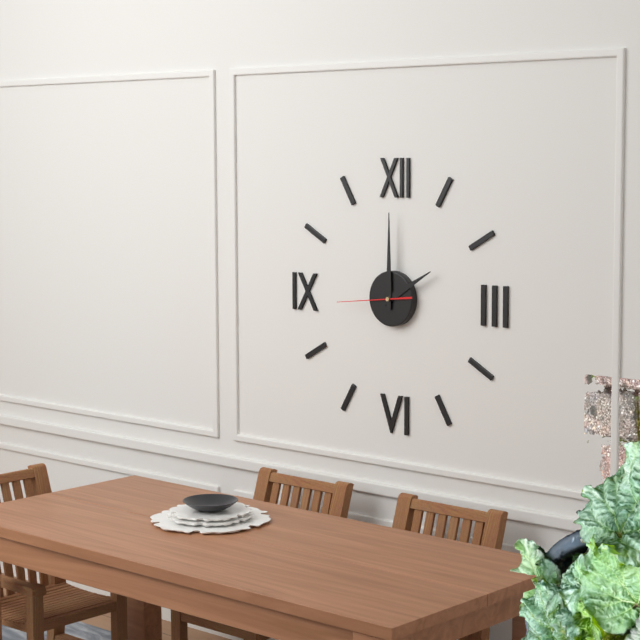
2:00:44
